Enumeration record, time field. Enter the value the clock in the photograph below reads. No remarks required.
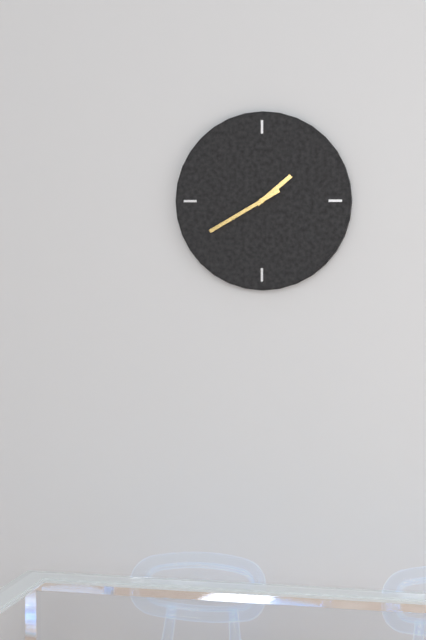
1:40
